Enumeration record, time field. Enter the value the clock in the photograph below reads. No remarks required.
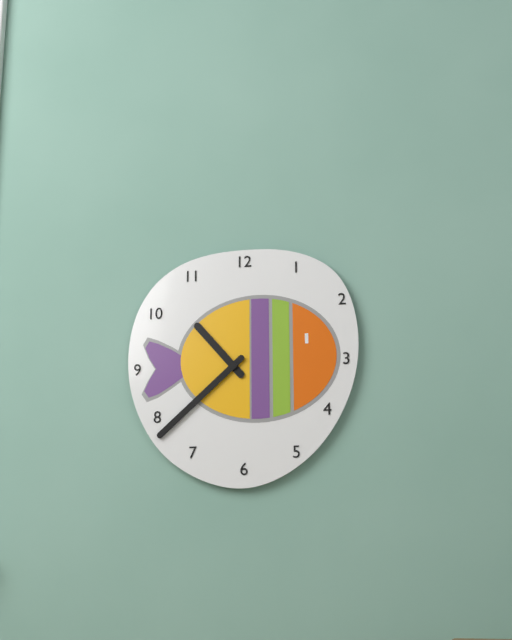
10:38
